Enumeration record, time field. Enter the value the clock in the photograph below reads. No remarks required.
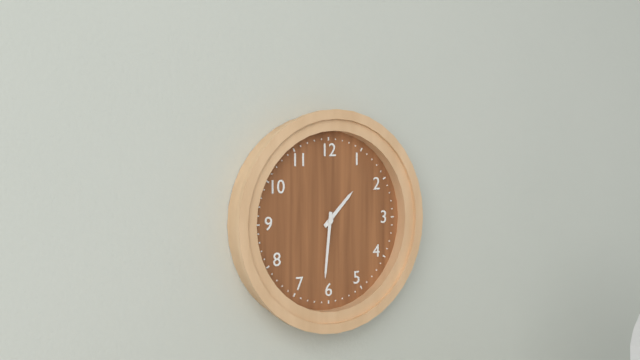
1:31
